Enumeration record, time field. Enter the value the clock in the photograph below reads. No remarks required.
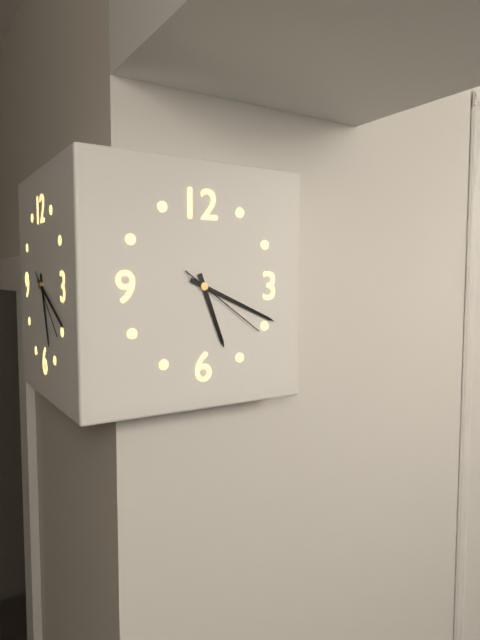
5:19:21
